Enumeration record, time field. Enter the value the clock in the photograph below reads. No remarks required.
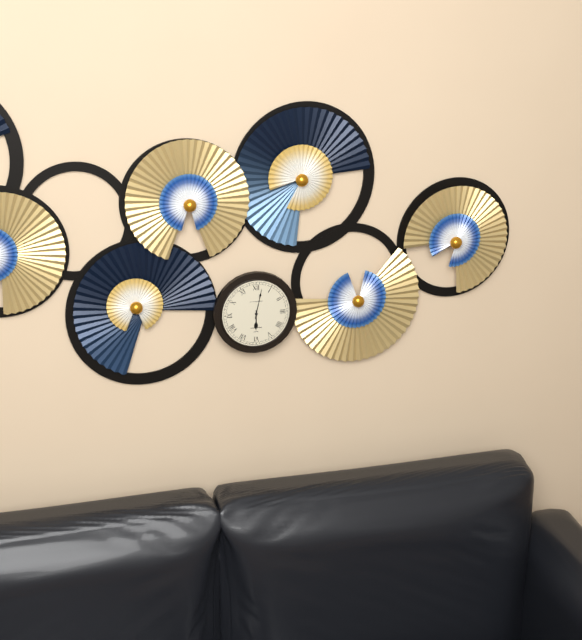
6:02
